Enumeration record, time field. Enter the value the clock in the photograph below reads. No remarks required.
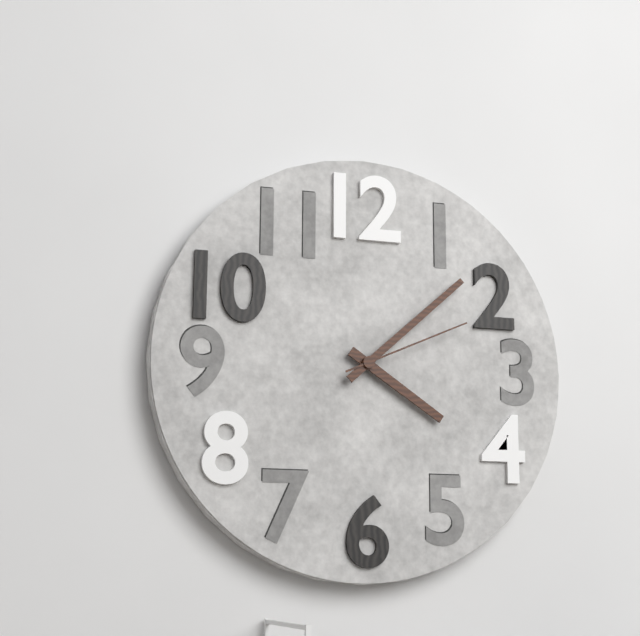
4:08:11
